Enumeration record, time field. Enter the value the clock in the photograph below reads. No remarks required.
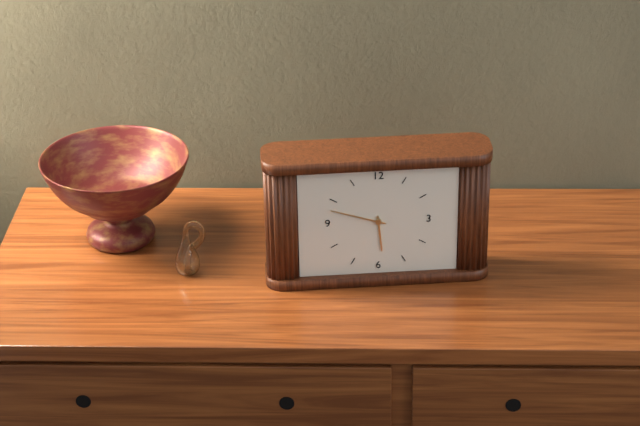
5:48
